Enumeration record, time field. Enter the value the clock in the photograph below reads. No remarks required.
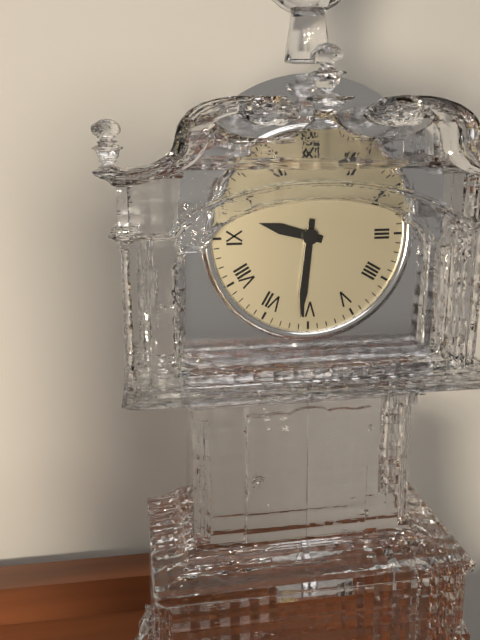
9:31
